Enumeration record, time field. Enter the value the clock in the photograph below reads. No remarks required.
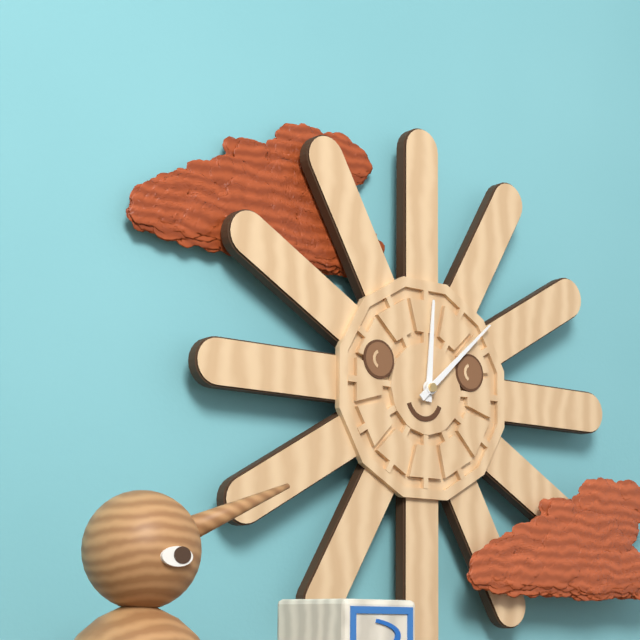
12:08
